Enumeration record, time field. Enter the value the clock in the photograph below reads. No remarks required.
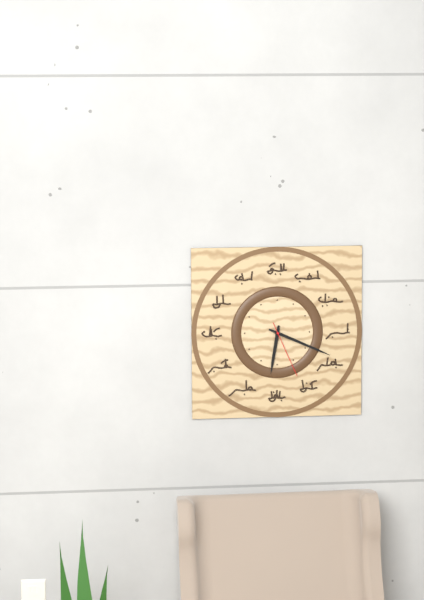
6:19:26
